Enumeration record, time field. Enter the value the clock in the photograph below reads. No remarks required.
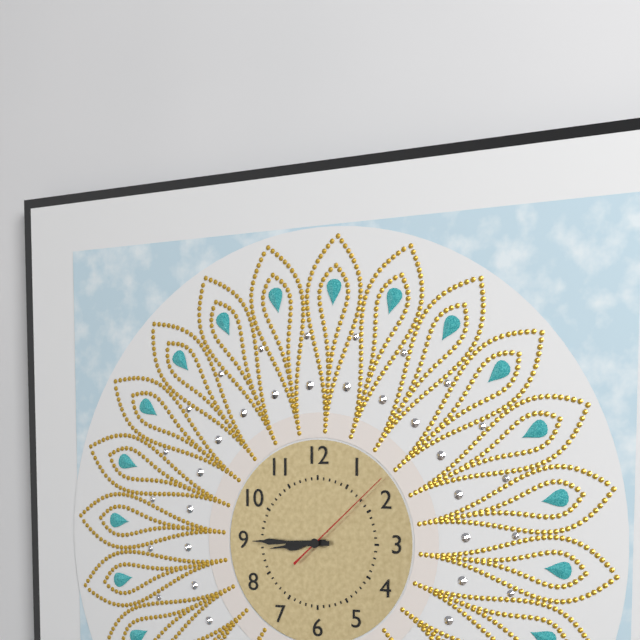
8:45:08
